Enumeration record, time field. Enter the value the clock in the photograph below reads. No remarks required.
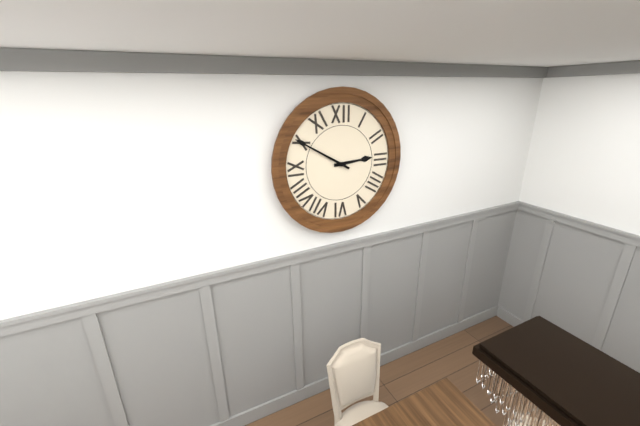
2:50
